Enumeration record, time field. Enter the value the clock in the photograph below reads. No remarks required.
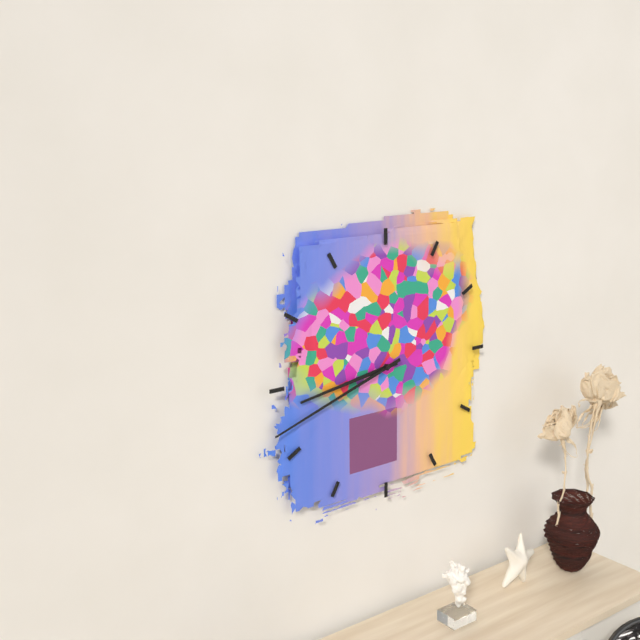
8:42
